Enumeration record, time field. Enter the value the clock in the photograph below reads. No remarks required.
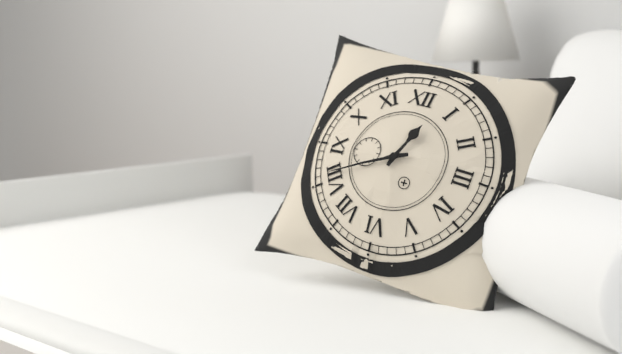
12:41
